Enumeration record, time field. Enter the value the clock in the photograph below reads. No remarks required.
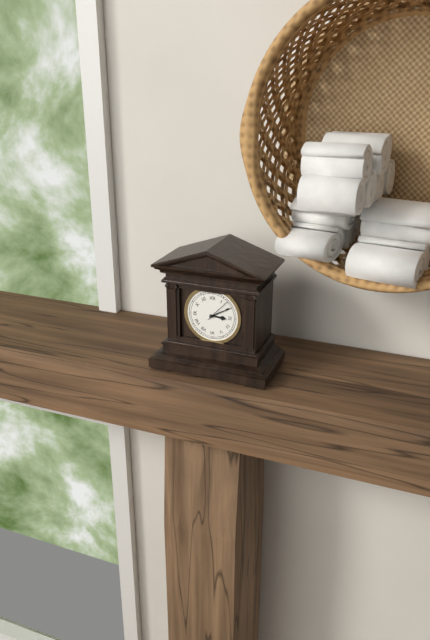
3:10
